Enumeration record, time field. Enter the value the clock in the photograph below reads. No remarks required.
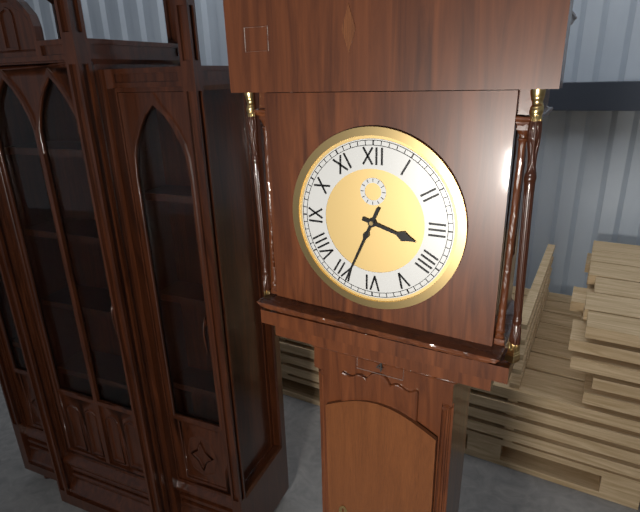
3:34
